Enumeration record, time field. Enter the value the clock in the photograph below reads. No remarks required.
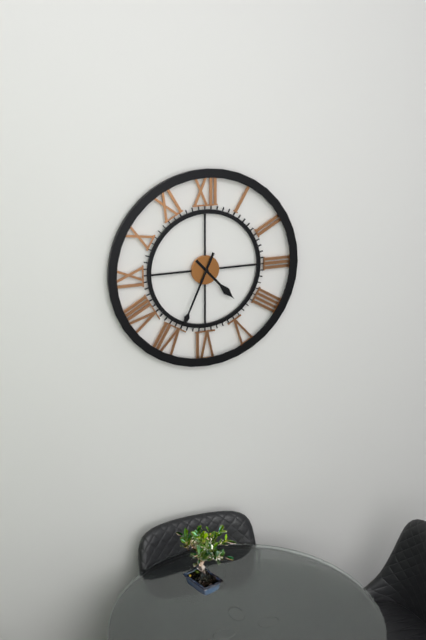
4:34
